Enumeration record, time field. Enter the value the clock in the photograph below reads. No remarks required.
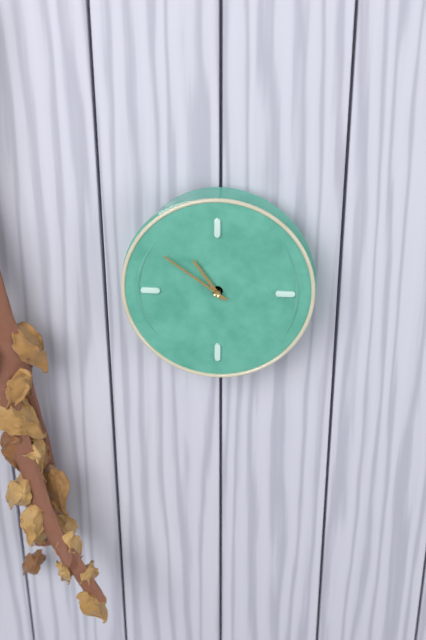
10:51
